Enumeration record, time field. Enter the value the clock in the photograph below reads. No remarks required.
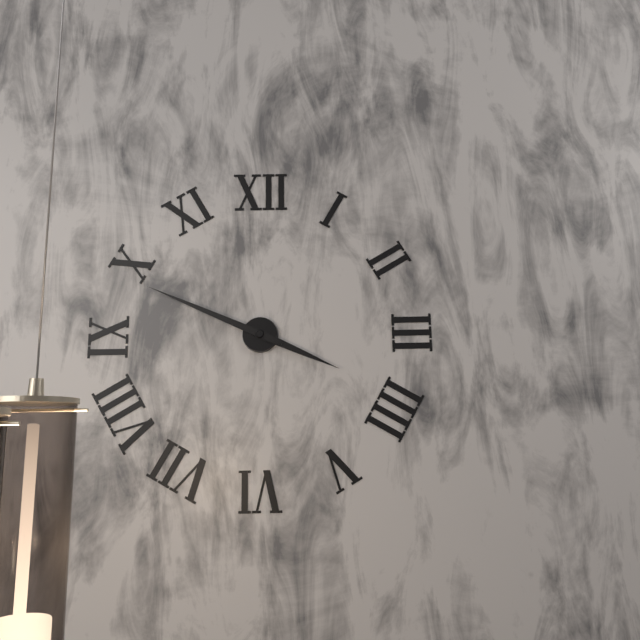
3:49
